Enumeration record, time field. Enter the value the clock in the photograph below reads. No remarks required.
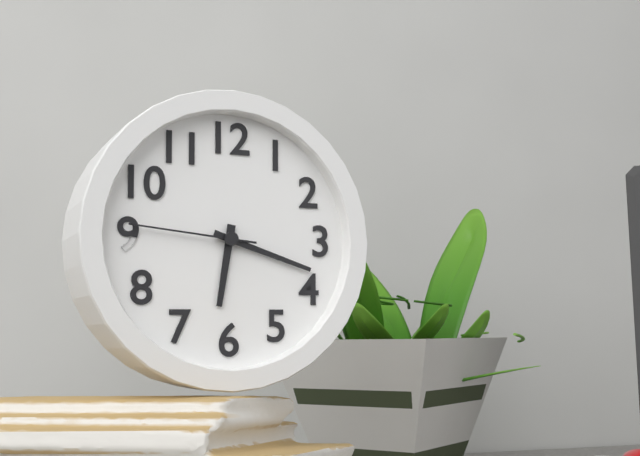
6:18:46
